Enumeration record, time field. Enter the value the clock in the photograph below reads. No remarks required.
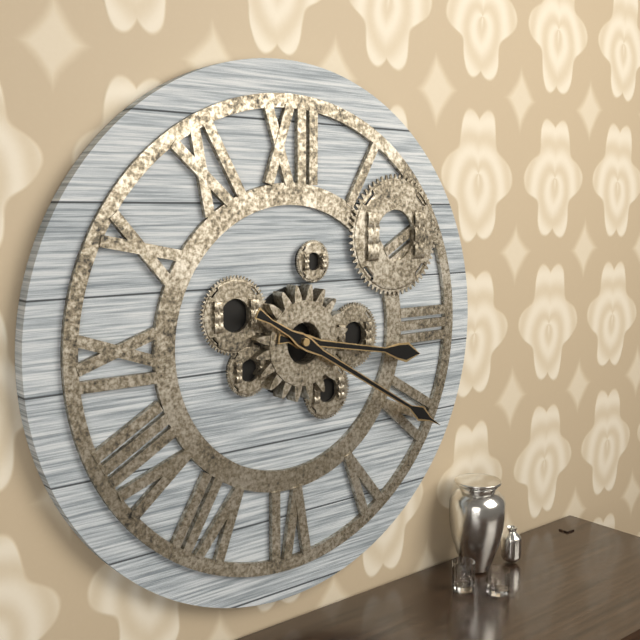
3:20
